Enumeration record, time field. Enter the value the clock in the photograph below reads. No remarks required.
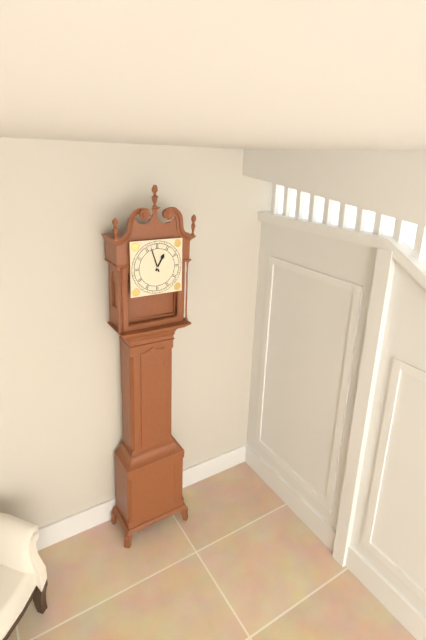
12:57
